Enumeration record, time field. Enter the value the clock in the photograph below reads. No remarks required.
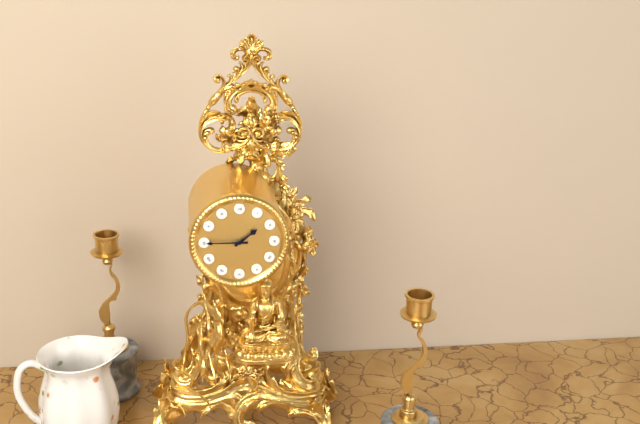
1:45
